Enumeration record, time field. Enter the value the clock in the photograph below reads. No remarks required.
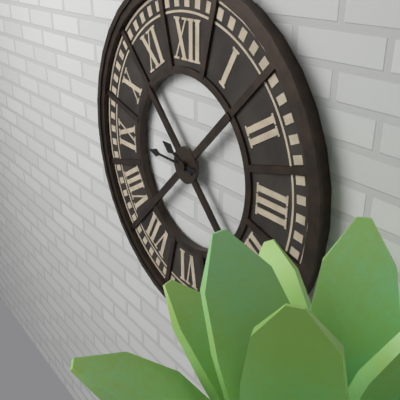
9:45
